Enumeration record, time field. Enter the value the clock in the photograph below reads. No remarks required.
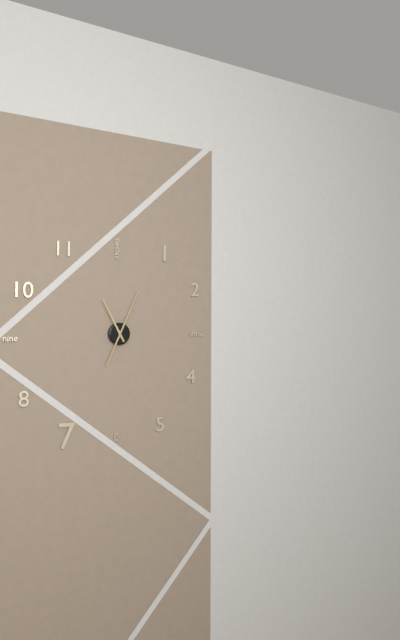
11:04
